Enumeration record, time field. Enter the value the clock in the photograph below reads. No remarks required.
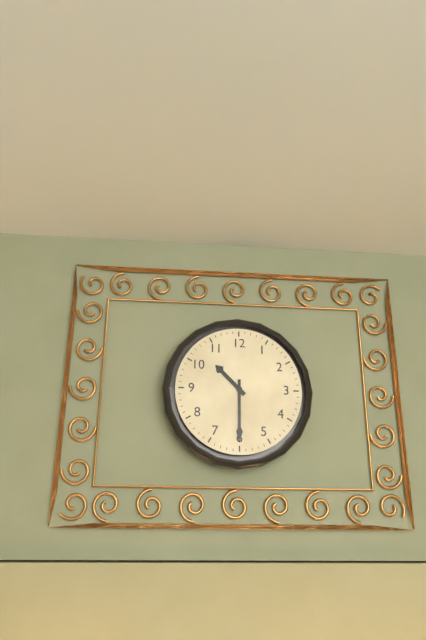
10:30
